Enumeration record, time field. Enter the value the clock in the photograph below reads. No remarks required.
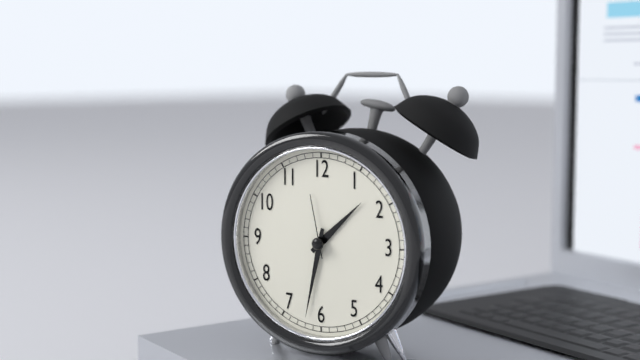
1:32:58
